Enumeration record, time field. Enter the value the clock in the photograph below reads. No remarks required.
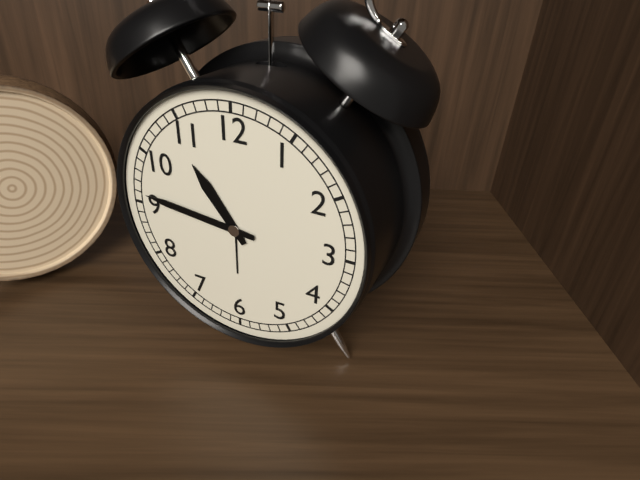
10:46
